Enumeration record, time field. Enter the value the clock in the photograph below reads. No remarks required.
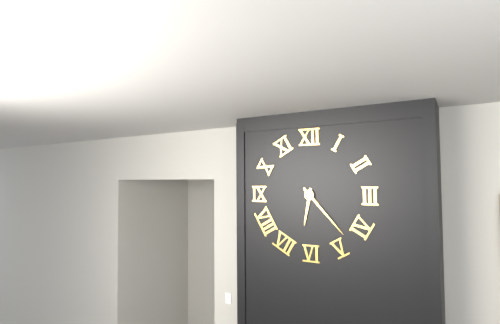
6:23
